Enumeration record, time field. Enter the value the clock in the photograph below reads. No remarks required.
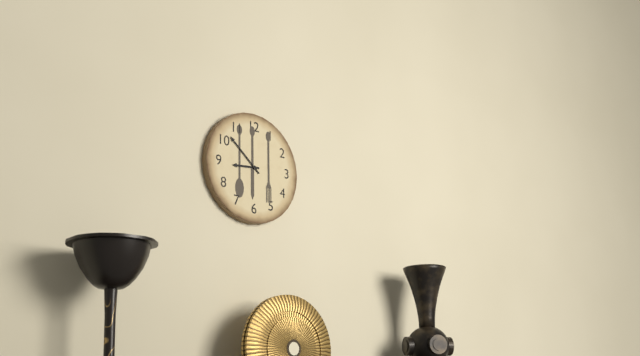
8:52
